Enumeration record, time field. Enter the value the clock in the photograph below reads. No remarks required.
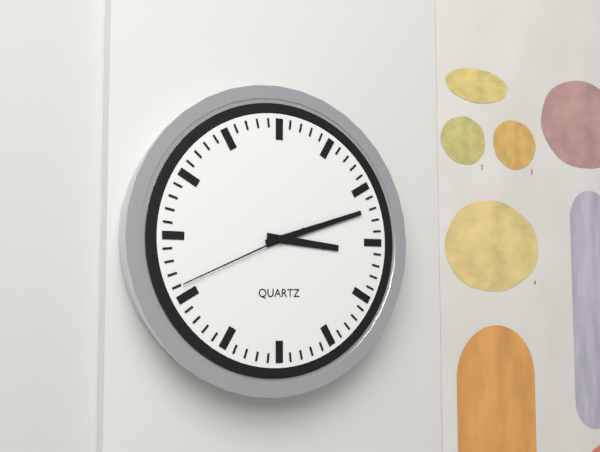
3:12:41
